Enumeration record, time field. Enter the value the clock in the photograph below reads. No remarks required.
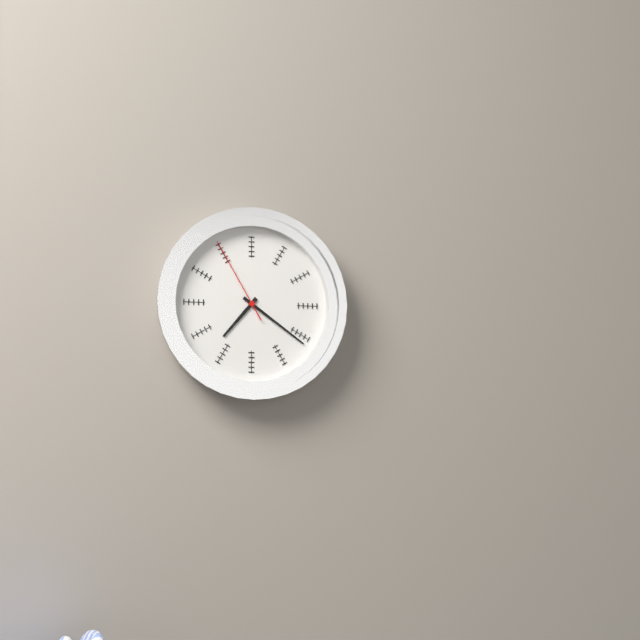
7:21:55
